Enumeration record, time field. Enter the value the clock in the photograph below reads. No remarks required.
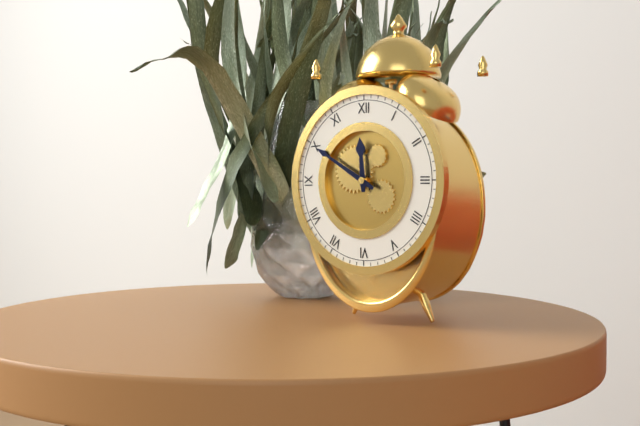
11:50
